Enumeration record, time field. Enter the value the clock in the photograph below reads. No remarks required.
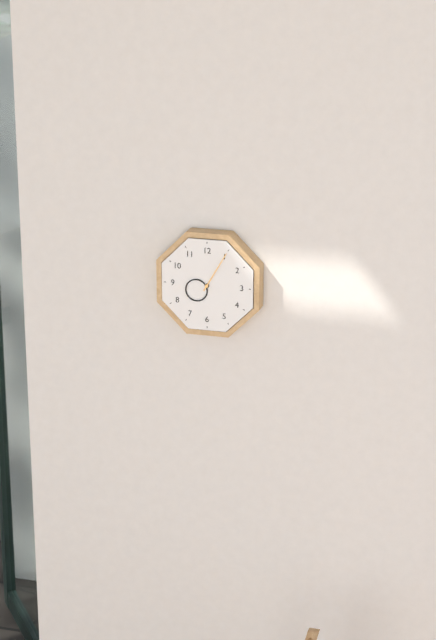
8:05
